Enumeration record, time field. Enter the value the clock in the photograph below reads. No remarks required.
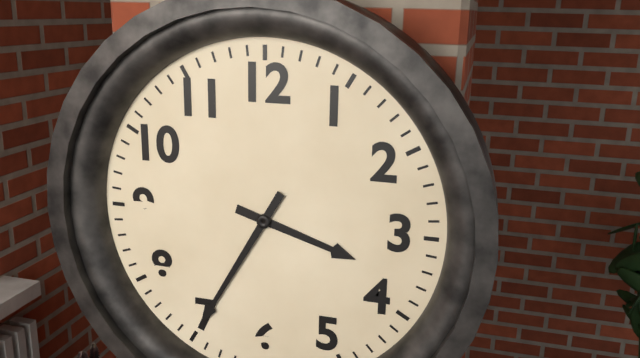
3:35
